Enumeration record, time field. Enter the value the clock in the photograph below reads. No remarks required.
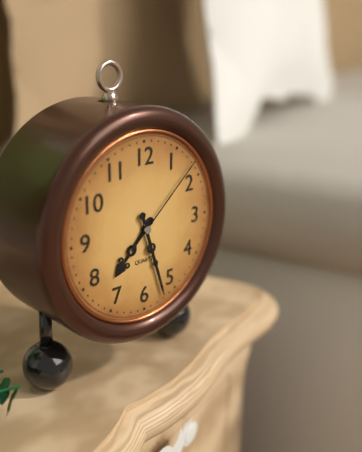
7:27:08
